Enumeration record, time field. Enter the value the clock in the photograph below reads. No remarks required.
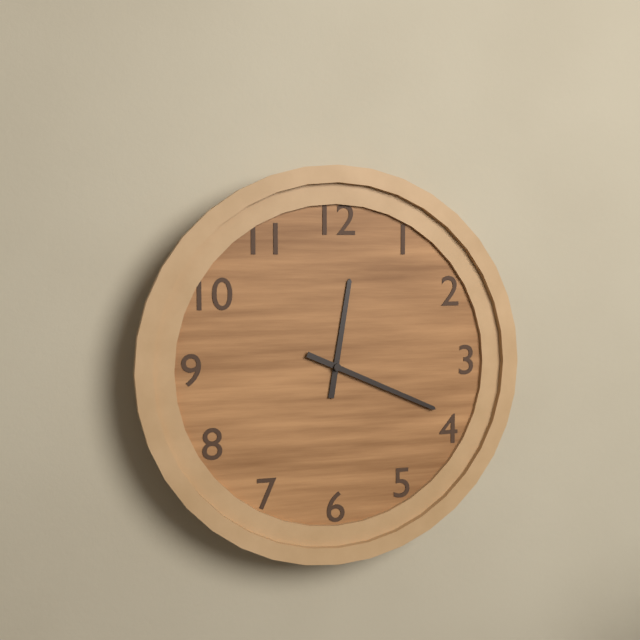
12:19
